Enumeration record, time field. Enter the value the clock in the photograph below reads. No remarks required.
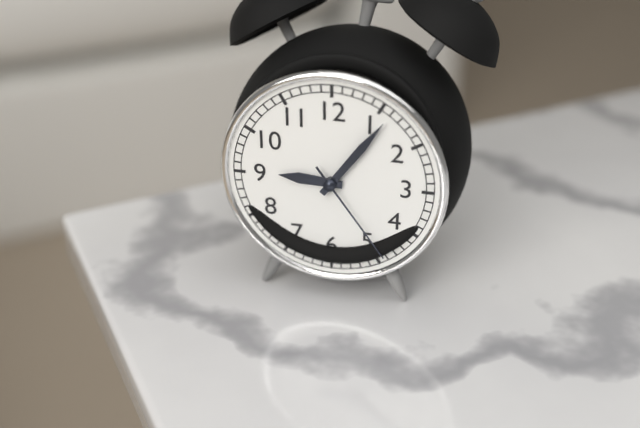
9:06:24
